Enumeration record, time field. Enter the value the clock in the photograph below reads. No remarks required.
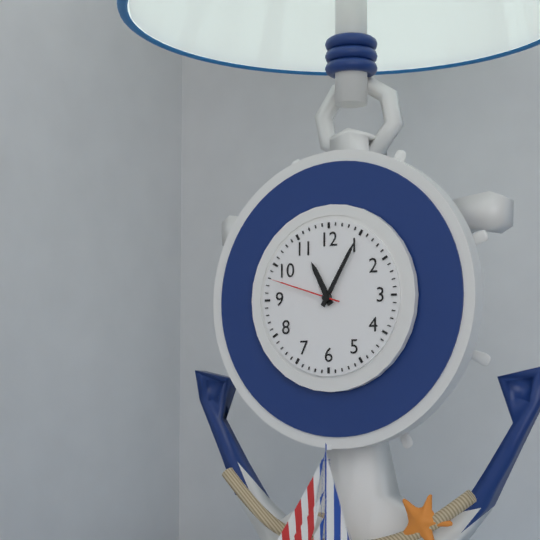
11:05:48
